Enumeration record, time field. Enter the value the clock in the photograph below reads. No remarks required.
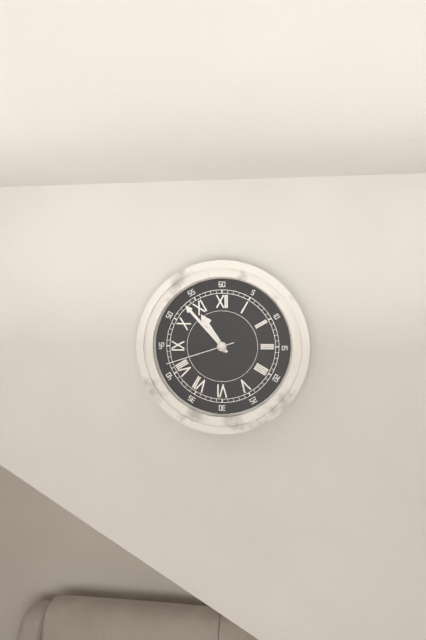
10:53:42
